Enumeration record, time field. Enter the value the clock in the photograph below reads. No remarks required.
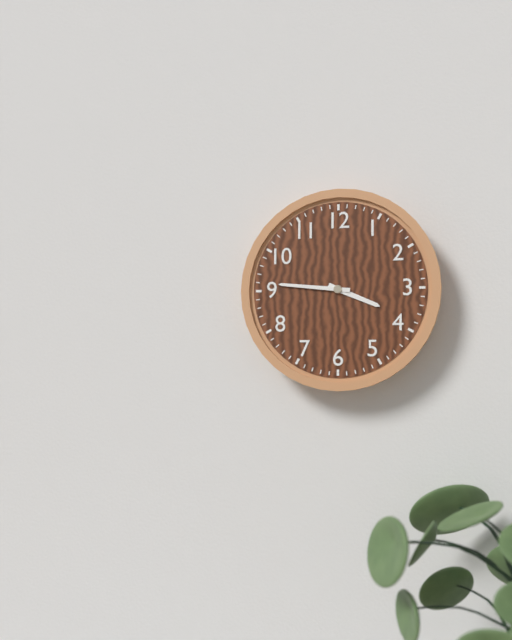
3:46
